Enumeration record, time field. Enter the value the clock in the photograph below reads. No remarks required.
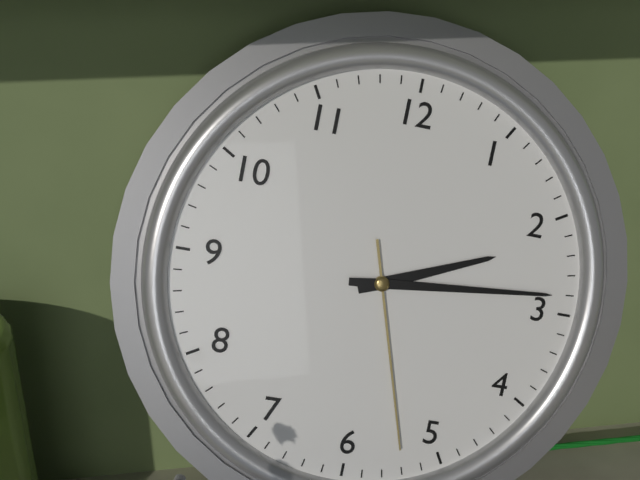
2:14:27
